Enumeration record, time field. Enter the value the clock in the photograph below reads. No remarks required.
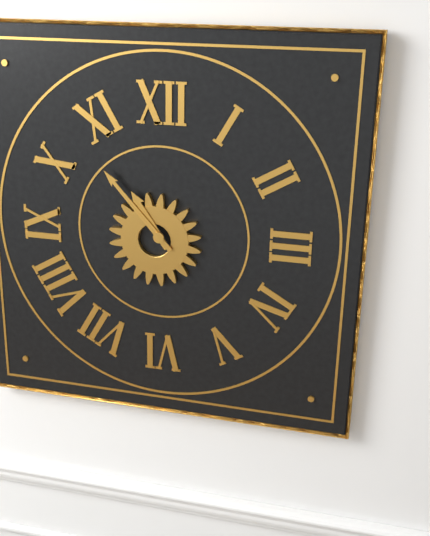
10:53
